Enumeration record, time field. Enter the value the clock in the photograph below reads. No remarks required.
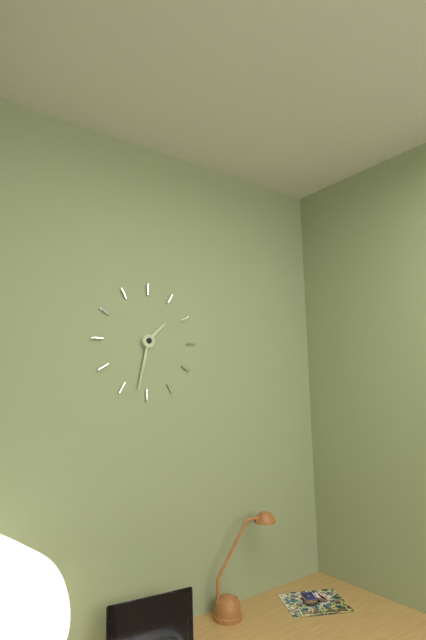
1:32
